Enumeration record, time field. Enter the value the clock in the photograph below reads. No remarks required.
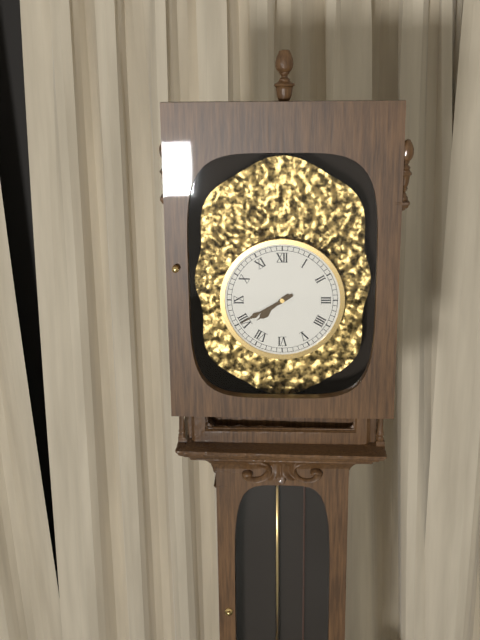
7:40
